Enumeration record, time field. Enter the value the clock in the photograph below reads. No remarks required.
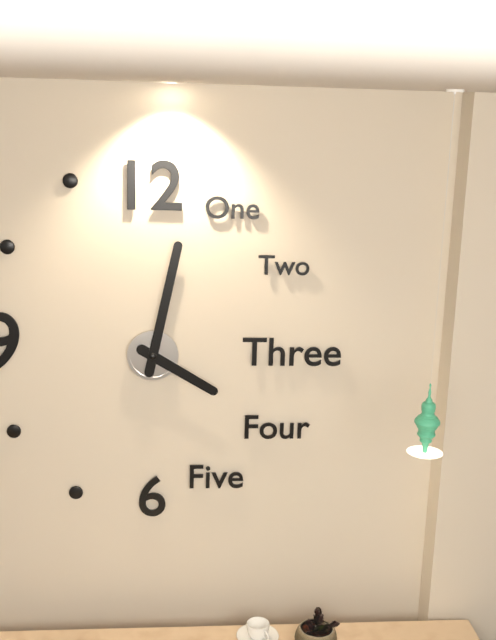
4:02
